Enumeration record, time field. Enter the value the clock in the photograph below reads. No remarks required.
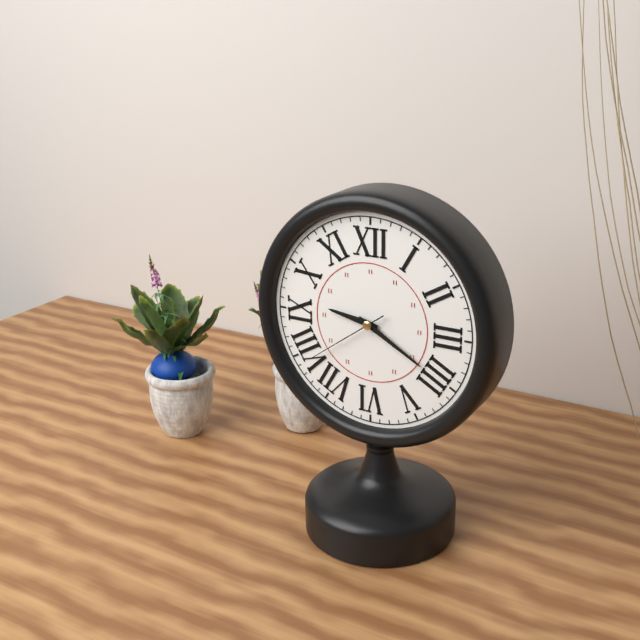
9:20:39
